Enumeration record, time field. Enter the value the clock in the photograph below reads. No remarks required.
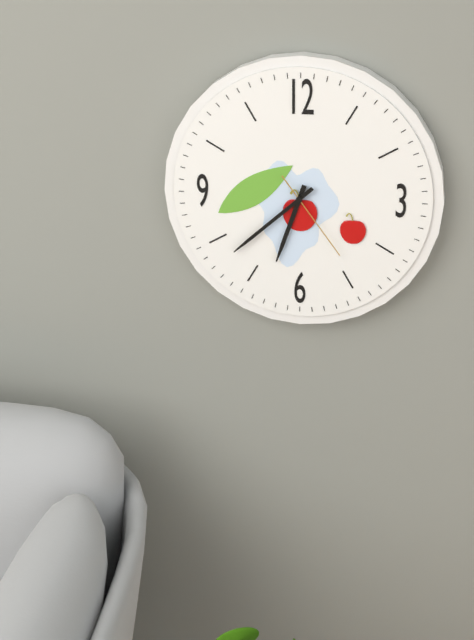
6:38:24
